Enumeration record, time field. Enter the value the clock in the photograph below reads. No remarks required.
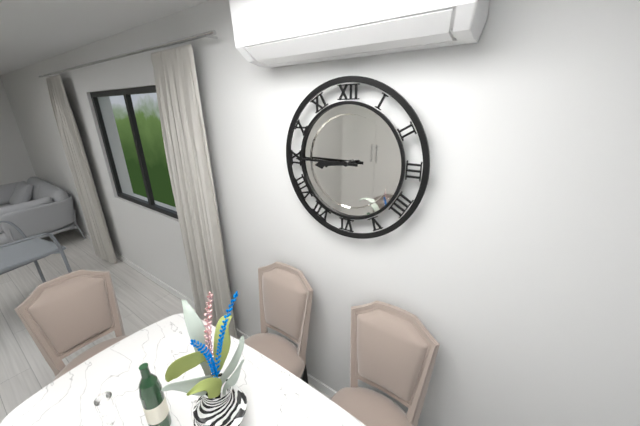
8:45
